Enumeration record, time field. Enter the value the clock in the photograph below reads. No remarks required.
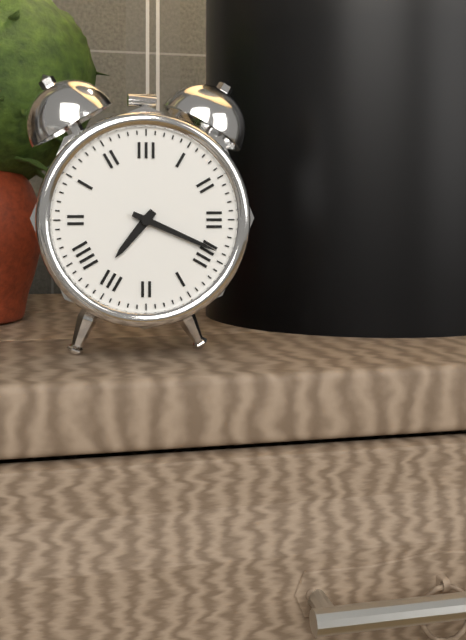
7:19
